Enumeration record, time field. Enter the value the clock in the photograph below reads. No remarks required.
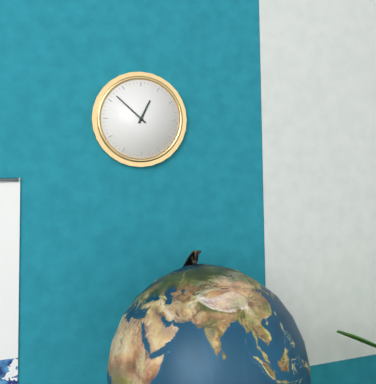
12:52
